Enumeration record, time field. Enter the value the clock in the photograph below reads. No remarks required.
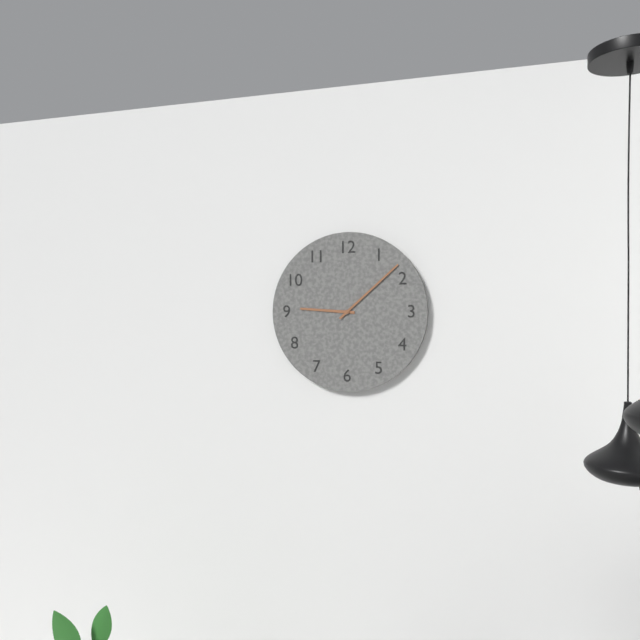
9:08
